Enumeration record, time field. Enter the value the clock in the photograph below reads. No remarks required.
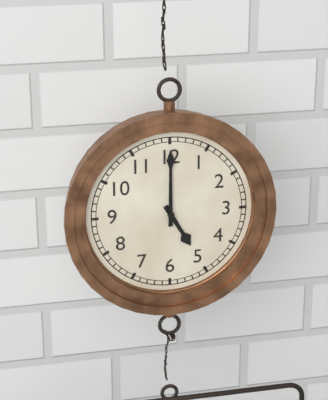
5:00
